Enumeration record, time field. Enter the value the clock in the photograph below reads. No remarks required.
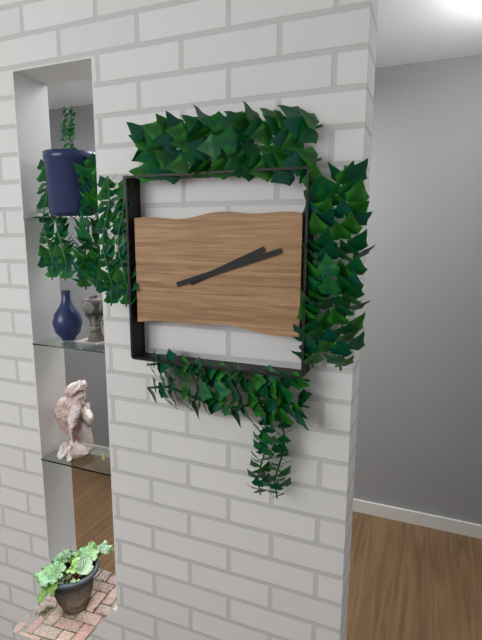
2:12
